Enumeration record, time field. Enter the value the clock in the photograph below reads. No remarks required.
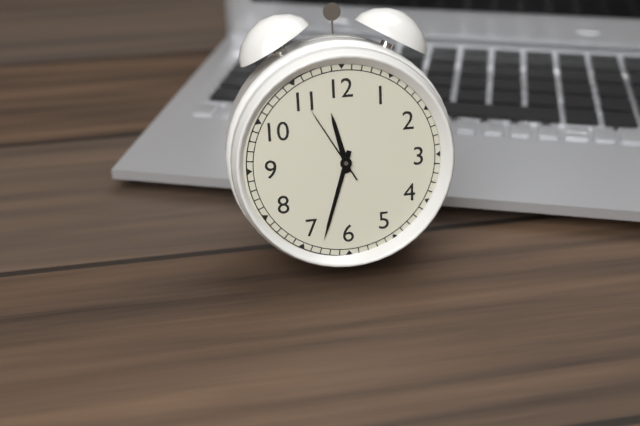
11:33:55
